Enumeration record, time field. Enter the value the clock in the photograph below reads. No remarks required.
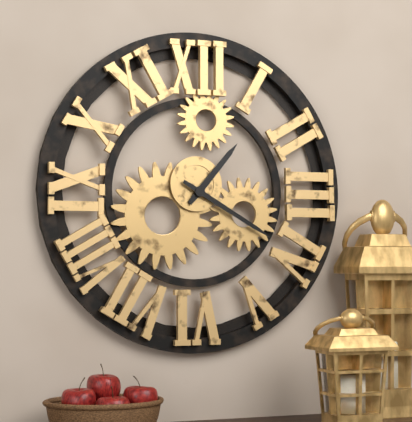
1:20
